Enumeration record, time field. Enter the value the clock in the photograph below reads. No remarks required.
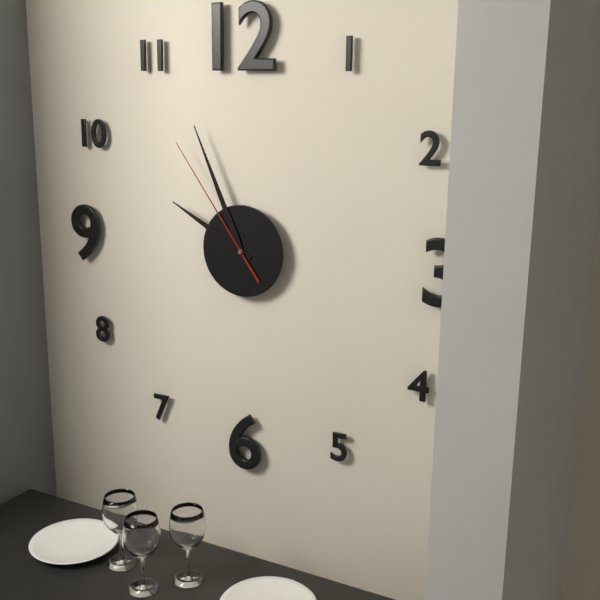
9:56:54
